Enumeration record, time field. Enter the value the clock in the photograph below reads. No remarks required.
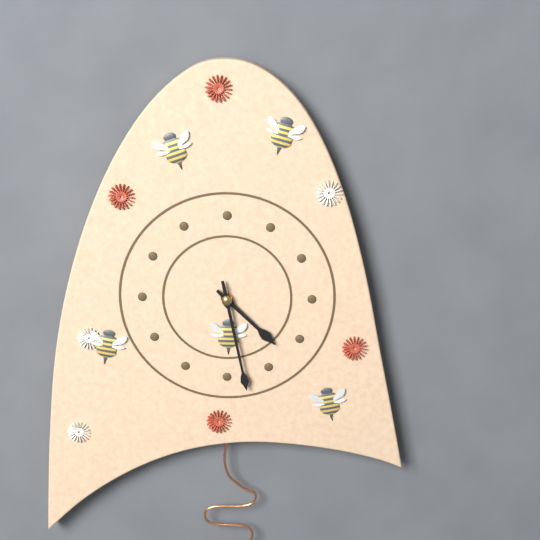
4:28
